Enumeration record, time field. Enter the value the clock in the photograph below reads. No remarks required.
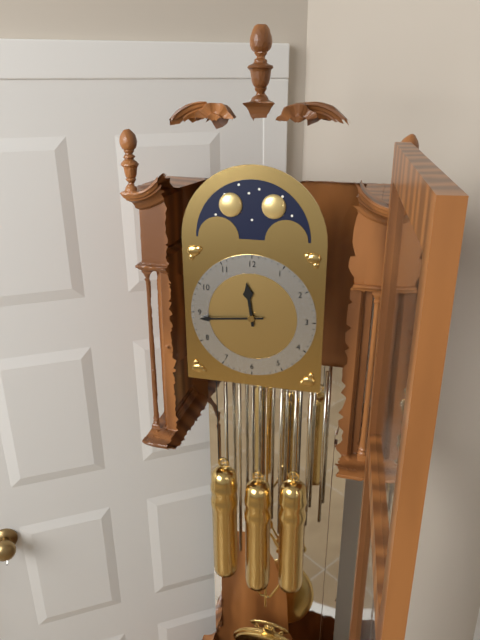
11:44
